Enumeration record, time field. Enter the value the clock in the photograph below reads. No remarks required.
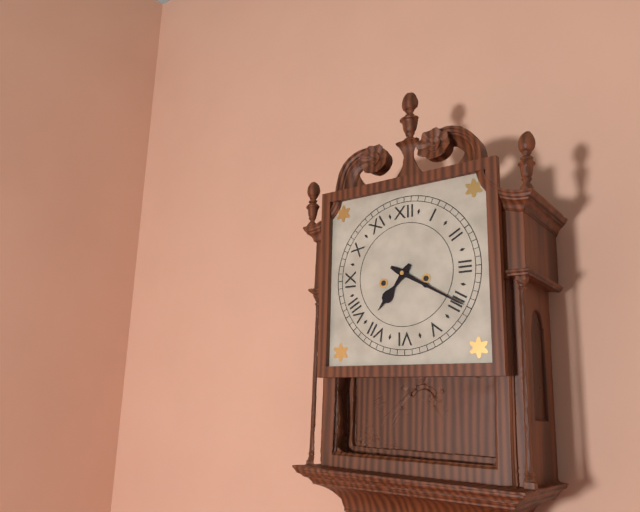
7:20
